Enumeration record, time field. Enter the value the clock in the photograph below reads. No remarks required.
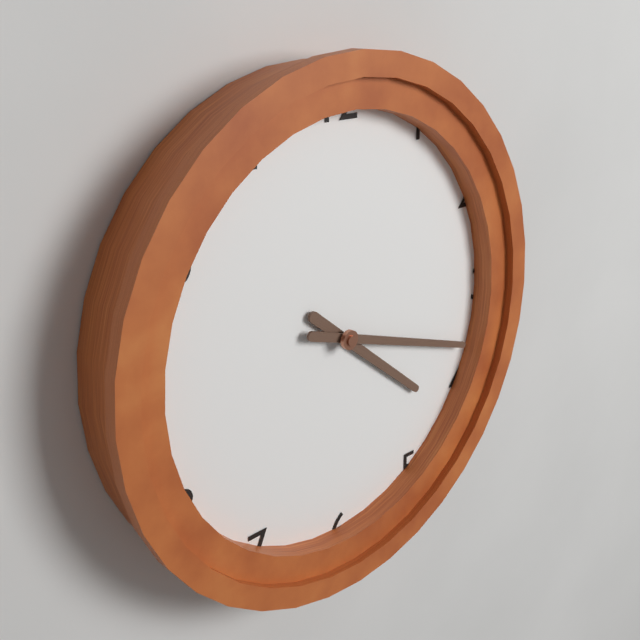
4:18
